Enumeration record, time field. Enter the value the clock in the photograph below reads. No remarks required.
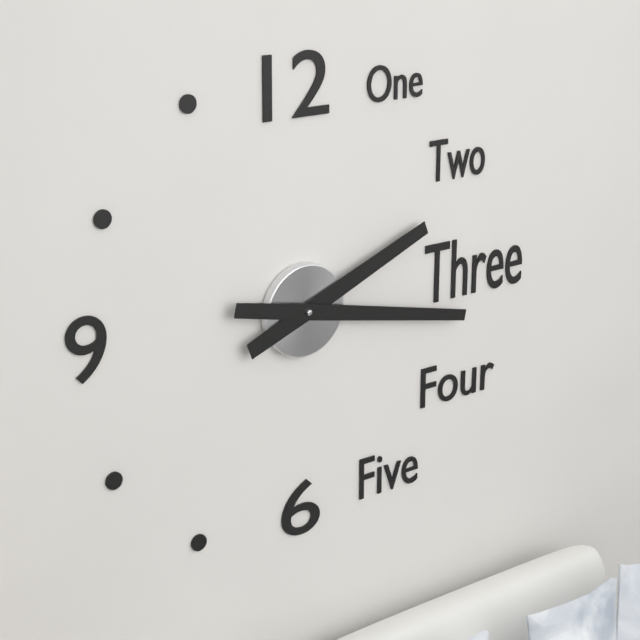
2:17
